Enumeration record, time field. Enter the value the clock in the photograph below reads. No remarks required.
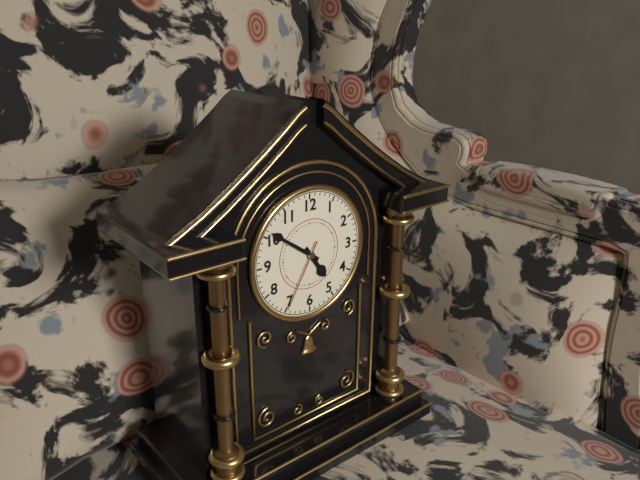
4:51:35
